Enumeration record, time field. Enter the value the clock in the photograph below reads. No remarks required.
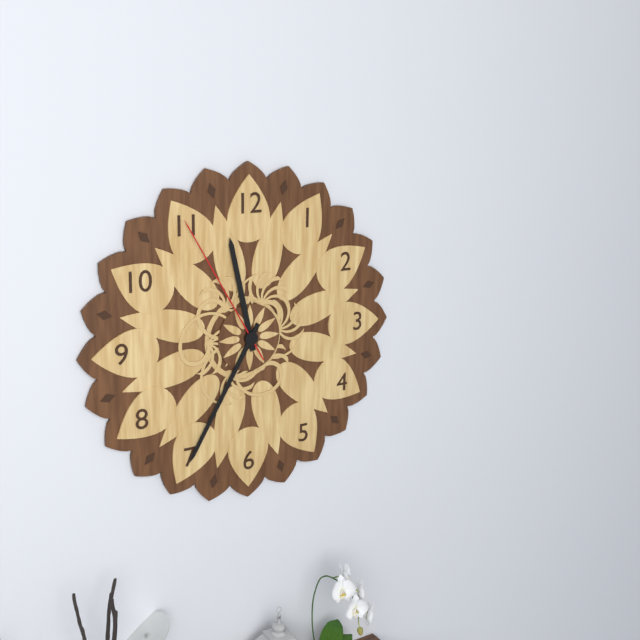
11:35:55
